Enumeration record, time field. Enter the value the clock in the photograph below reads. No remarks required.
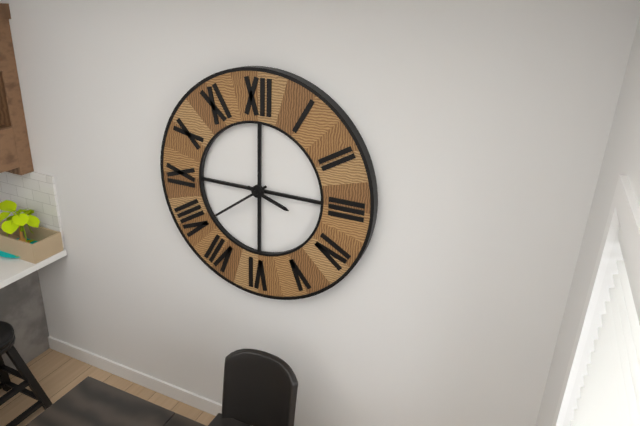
3:39
